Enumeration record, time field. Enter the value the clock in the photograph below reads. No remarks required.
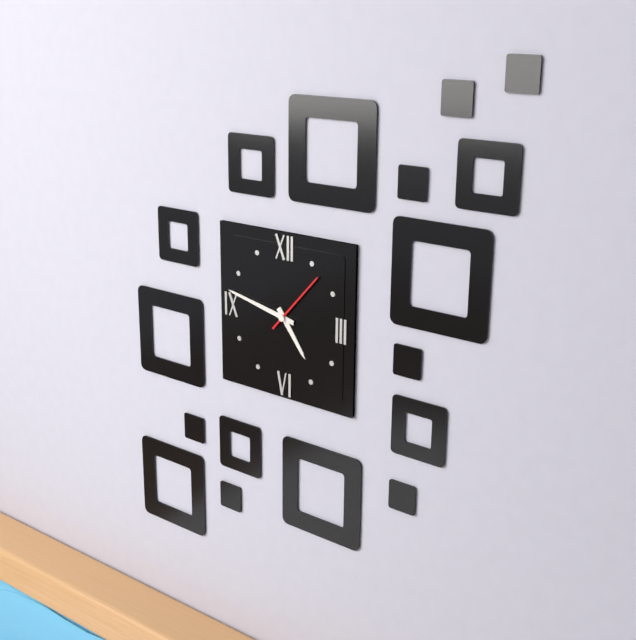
4:47:07
